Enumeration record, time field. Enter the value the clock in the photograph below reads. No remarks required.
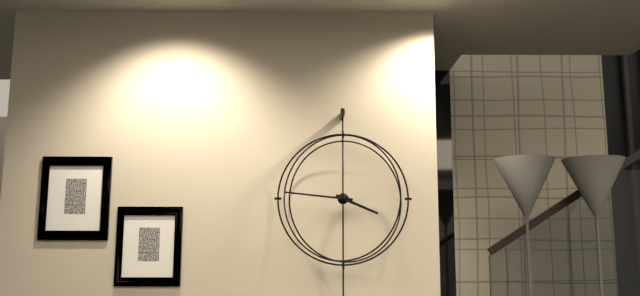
3:46
